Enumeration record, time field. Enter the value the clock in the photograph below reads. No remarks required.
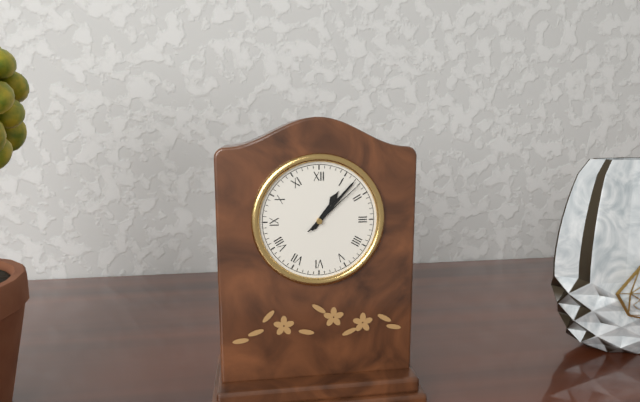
1:07:08
